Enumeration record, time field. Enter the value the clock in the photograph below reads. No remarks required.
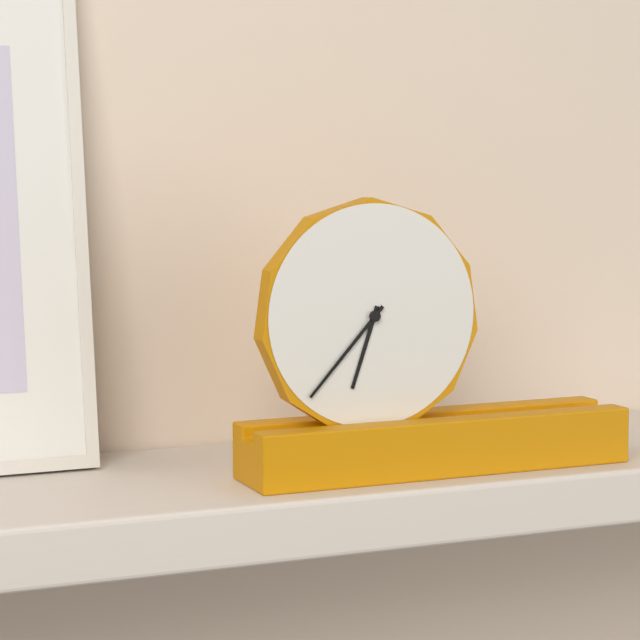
6:37
